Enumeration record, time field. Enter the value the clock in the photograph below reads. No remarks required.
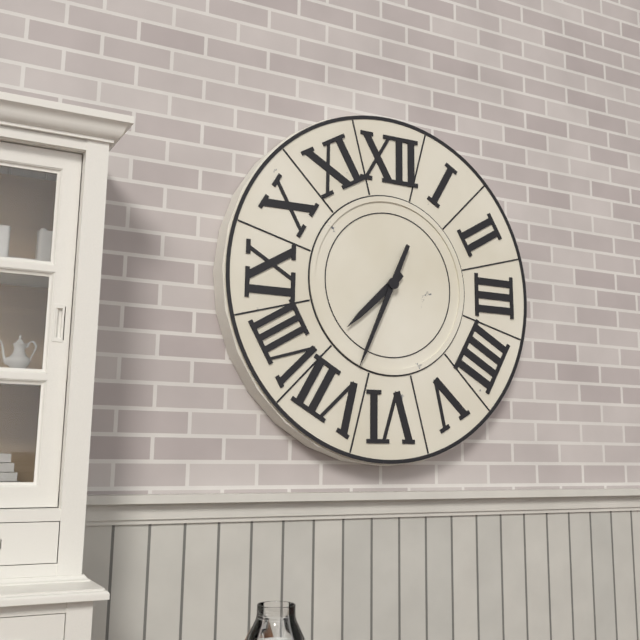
7:34
